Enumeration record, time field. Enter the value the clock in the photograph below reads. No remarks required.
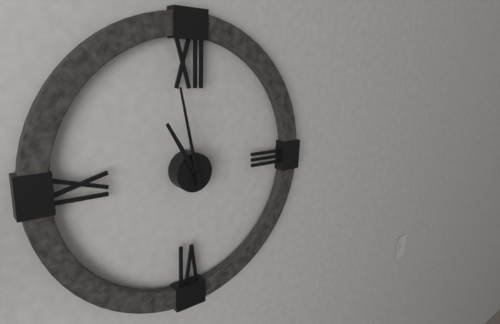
10:58
